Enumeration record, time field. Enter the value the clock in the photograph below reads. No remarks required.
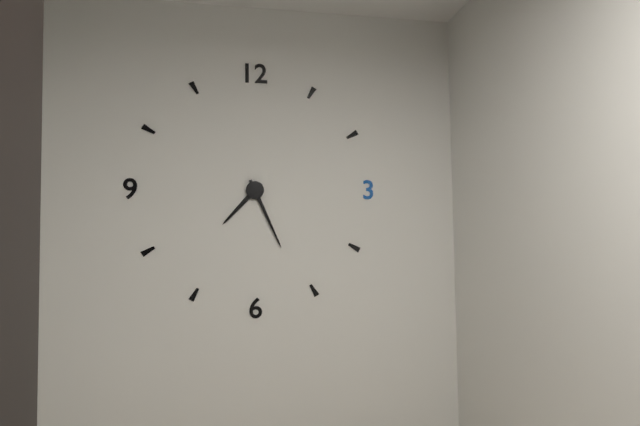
7:26
